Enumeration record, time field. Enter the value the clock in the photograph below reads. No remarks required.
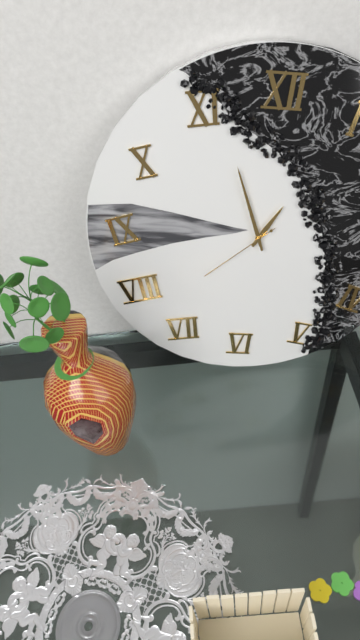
12:56:38
